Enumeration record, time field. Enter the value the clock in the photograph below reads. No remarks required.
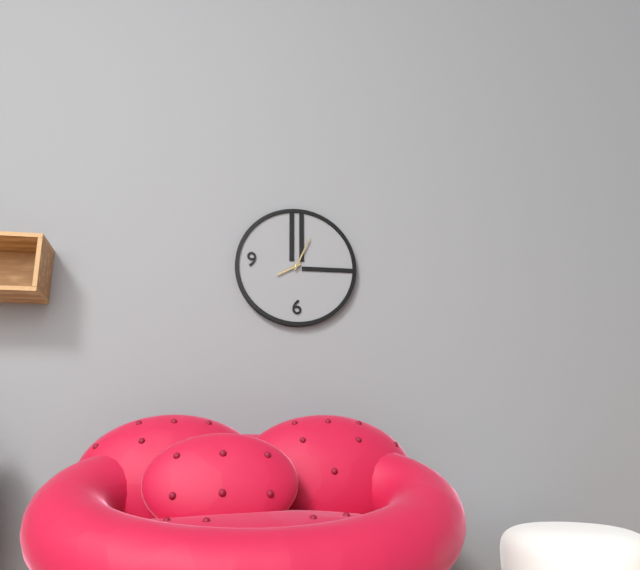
8:04
